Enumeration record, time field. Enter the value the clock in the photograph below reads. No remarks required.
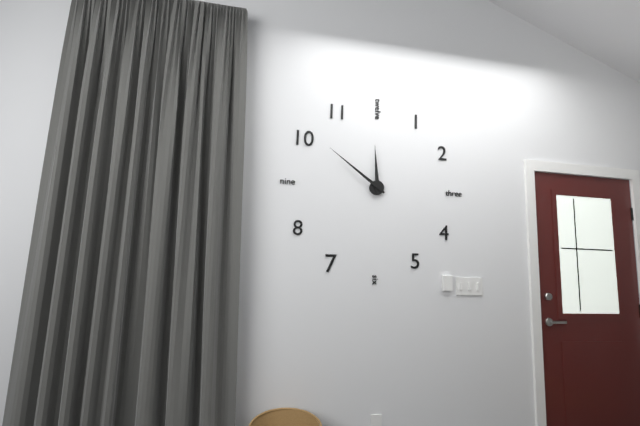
11:51
